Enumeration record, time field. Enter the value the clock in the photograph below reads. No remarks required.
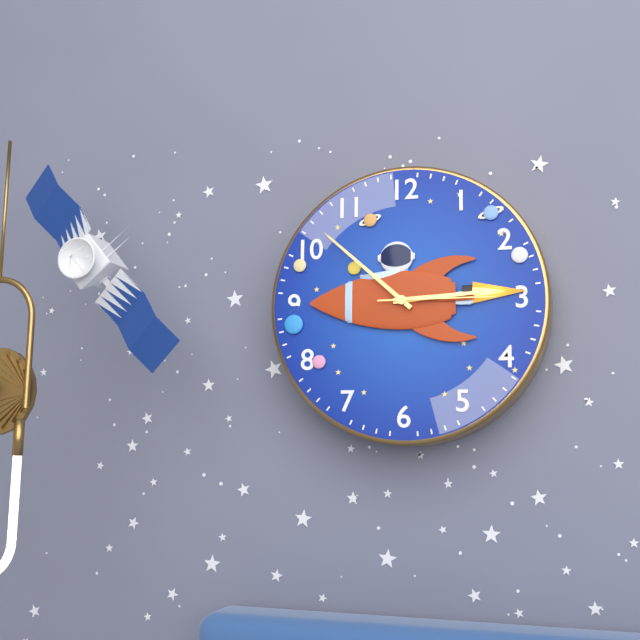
2:52:15
